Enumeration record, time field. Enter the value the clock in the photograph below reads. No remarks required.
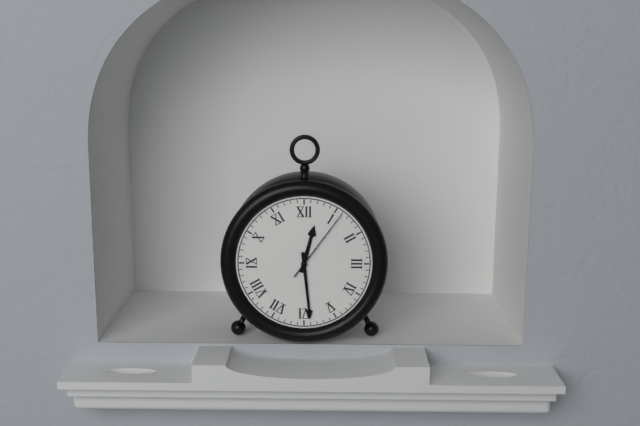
12:29:06
